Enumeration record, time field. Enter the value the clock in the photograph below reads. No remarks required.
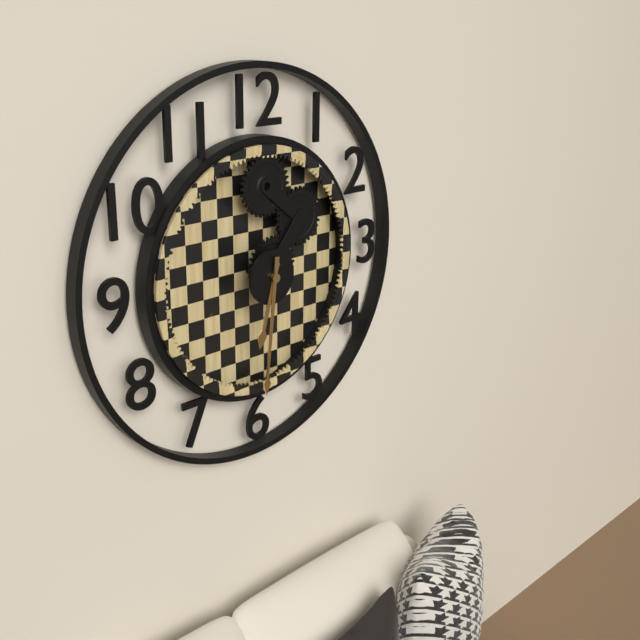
6:31
